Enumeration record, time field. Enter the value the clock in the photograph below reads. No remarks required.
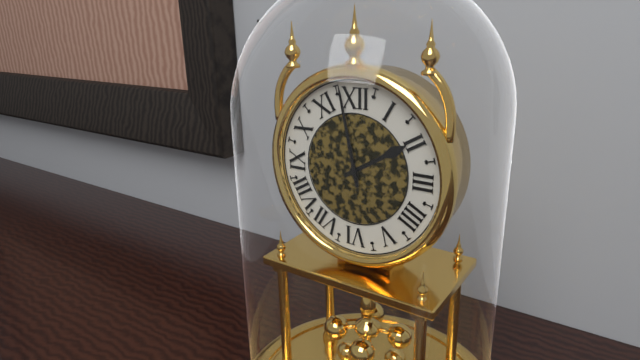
1:58
